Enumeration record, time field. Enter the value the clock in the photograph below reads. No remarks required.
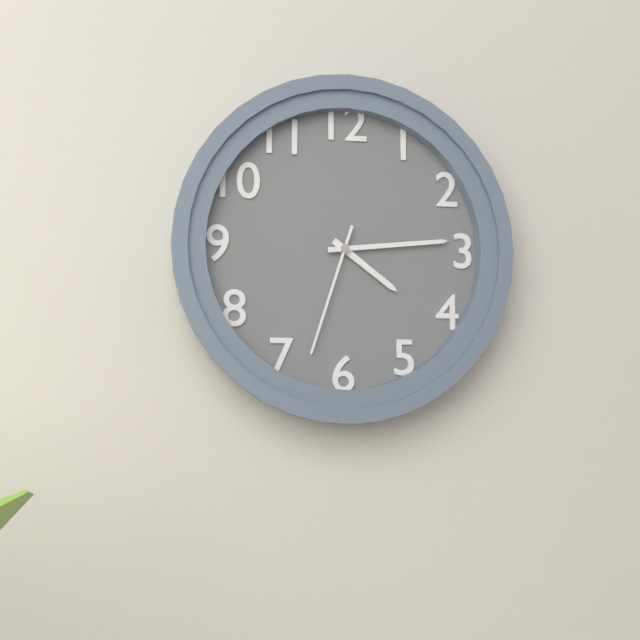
4:14:33
